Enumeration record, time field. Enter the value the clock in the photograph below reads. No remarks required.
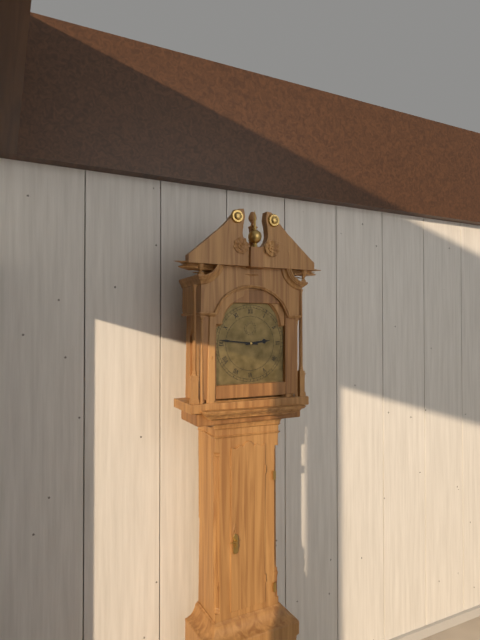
2:46
